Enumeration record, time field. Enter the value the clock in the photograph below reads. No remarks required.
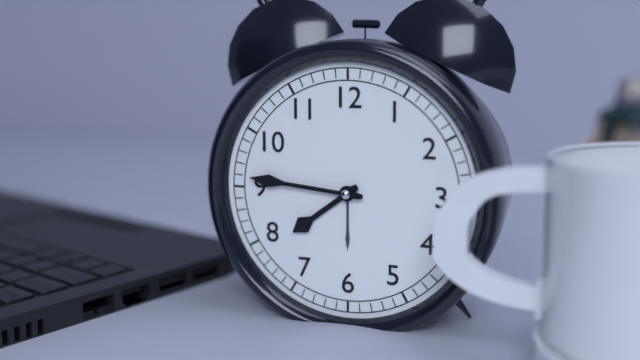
7:46
